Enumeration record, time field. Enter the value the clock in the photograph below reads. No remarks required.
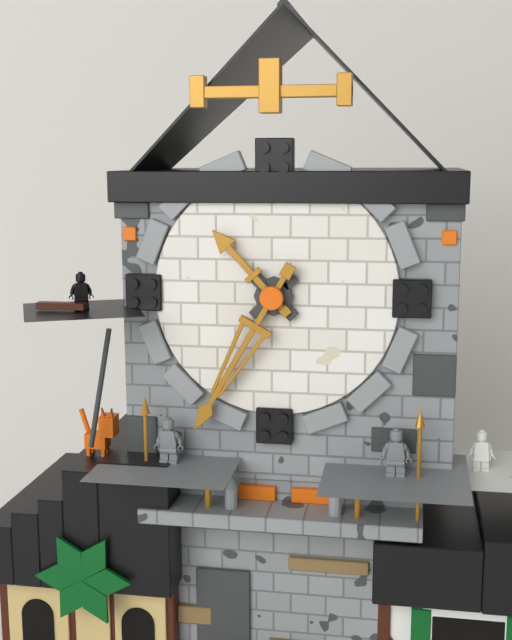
10:35
